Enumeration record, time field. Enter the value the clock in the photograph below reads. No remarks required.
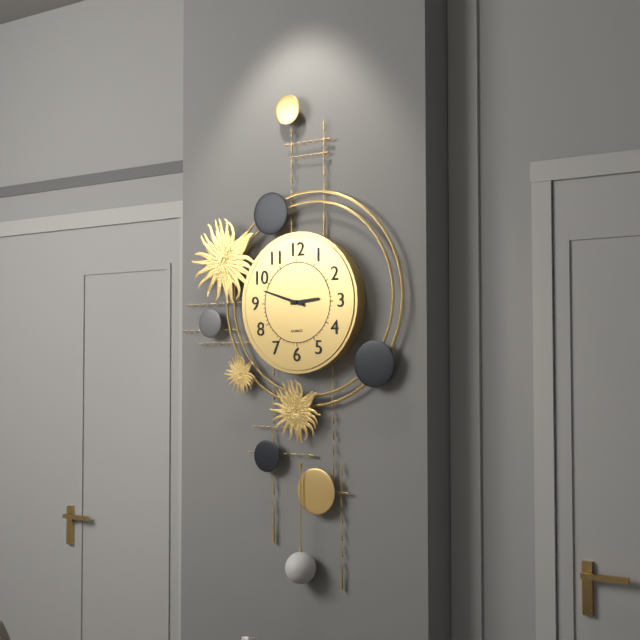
2:48
